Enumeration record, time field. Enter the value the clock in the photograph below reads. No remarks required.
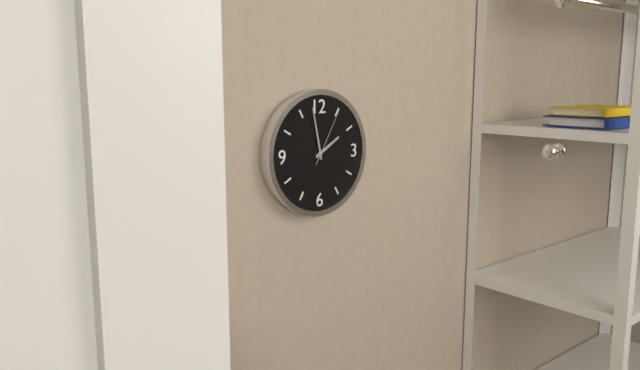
1:58:05
